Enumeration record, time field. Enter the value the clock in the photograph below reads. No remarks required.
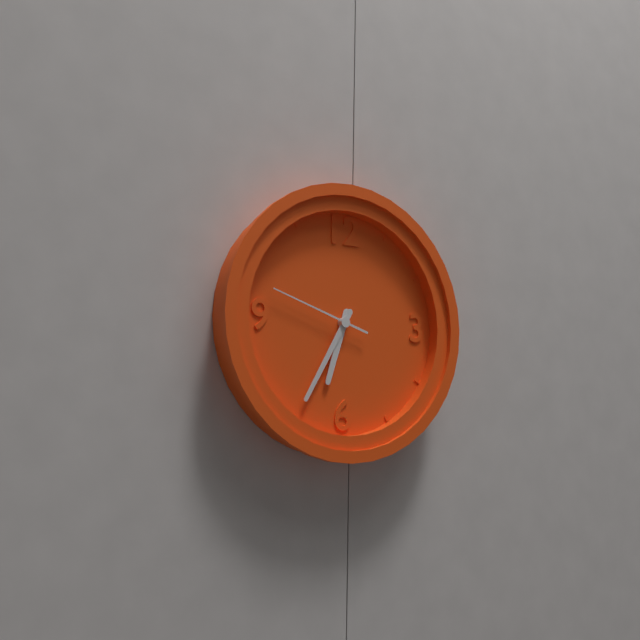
6:35:48
